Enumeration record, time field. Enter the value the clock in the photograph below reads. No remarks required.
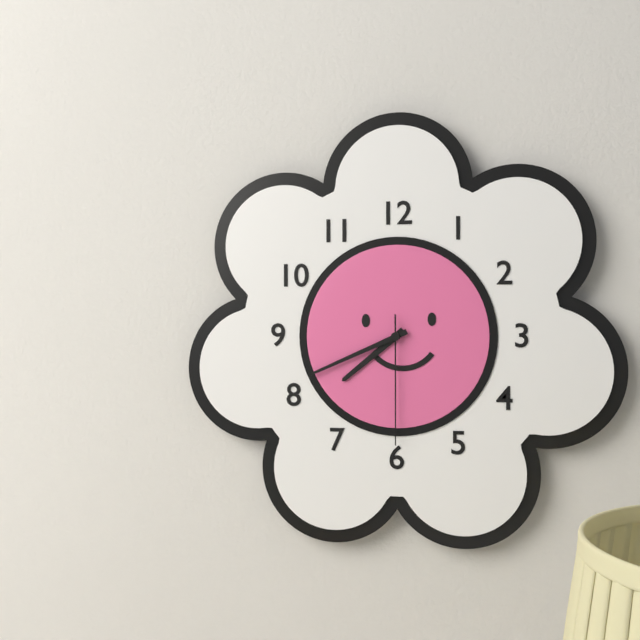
7:41:30
